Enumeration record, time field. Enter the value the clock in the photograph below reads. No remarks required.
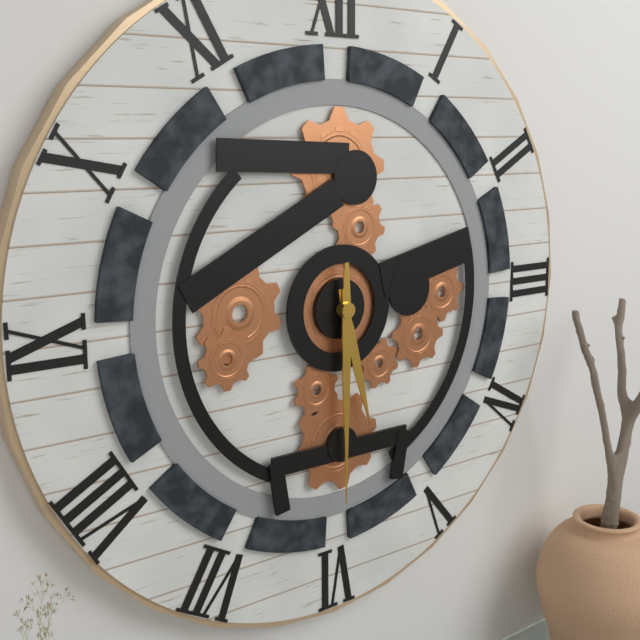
5:30
